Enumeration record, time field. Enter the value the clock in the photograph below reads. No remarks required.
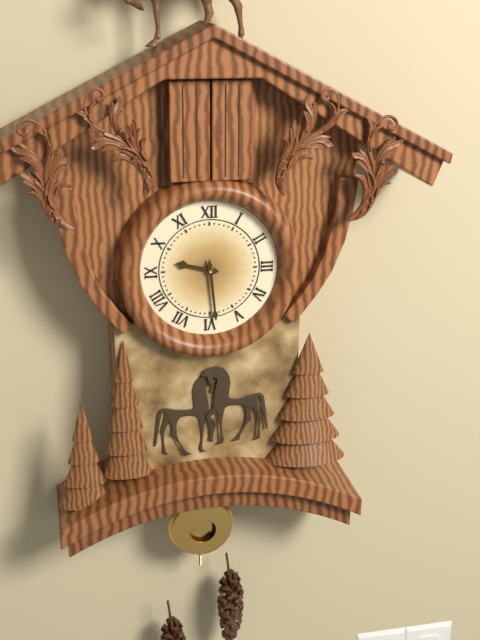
9:29
